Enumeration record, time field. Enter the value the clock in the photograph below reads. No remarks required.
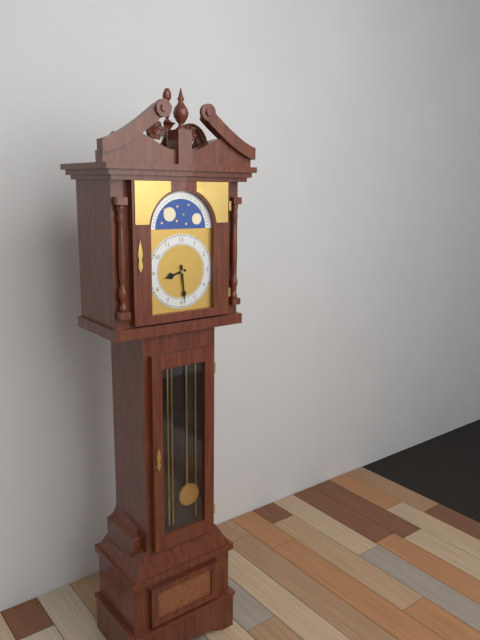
8:29
